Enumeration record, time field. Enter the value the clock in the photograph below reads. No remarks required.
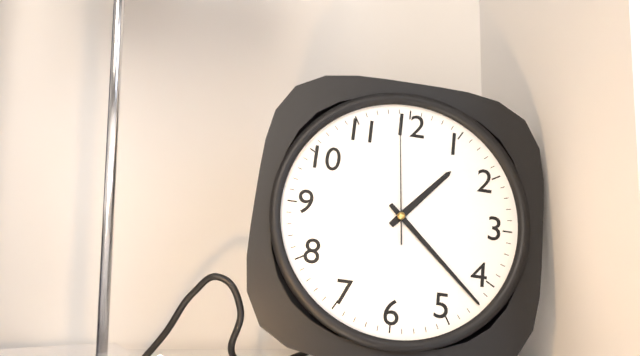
1:22:59
